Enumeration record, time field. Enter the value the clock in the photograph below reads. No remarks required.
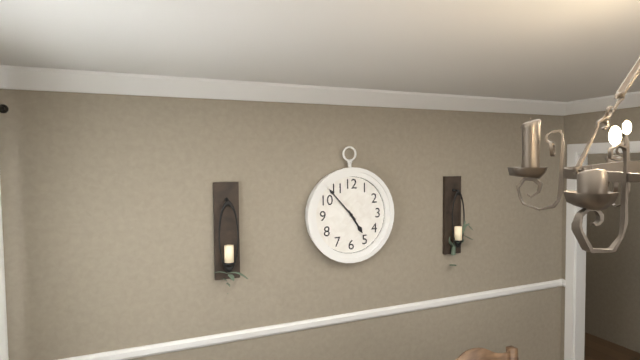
4:53
